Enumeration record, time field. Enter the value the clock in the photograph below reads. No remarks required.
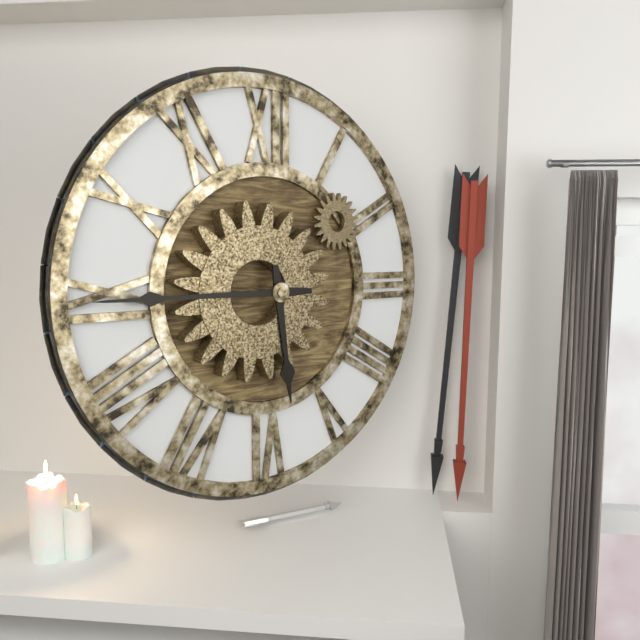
5:45
